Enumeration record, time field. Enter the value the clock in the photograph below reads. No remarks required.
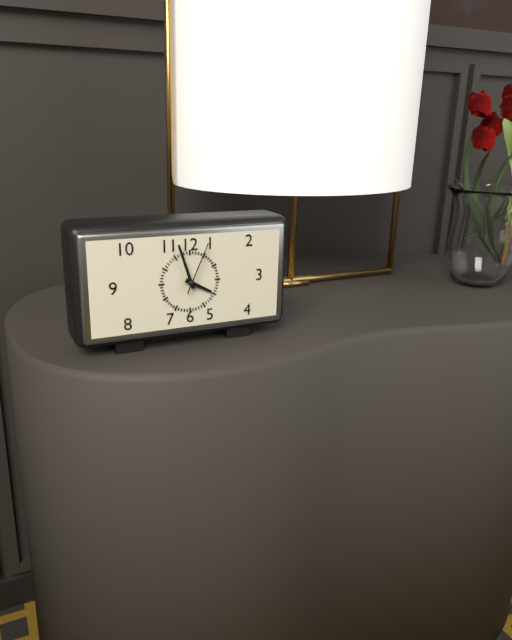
3:57:04
